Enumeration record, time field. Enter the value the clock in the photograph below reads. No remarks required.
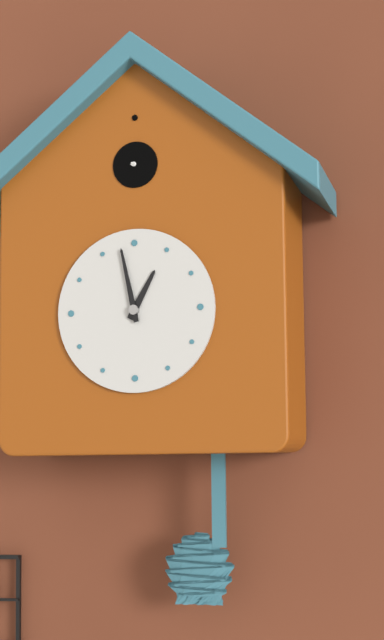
12:58
